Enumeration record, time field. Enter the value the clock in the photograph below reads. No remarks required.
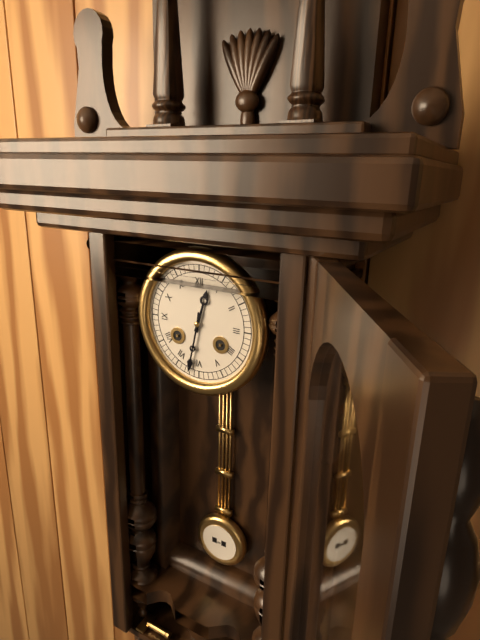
12:32
